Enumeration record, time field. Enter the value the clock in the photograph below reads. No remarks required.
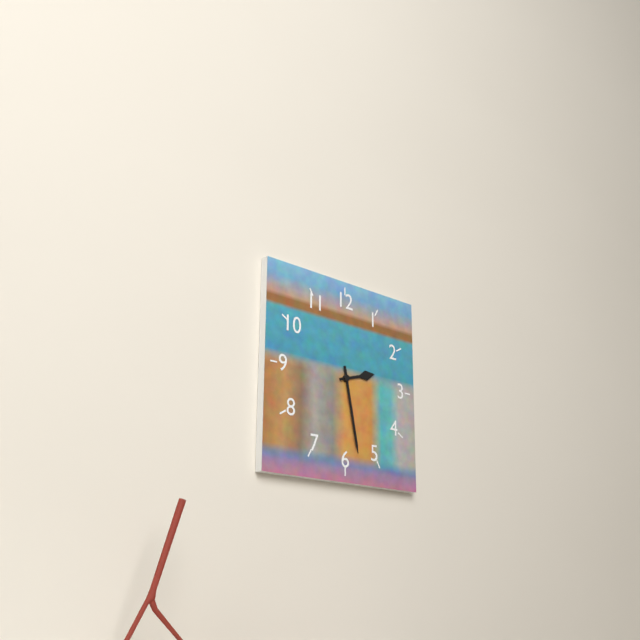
2:28
